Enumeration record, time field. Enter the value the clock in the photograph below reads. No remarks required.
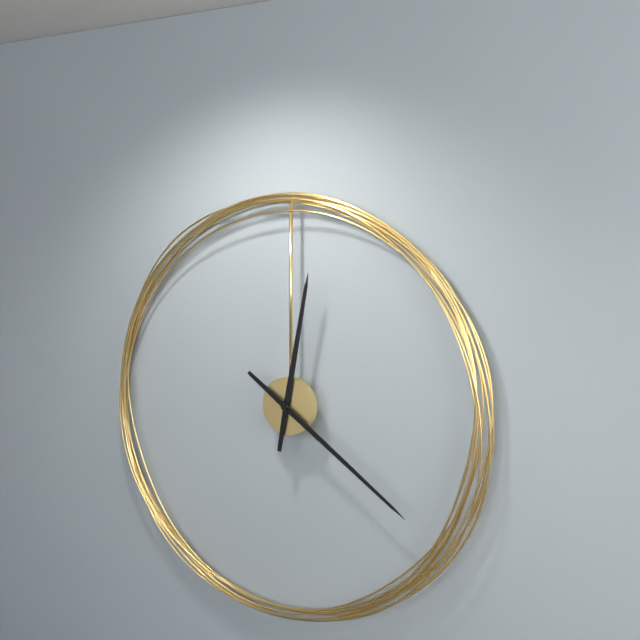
12:21
